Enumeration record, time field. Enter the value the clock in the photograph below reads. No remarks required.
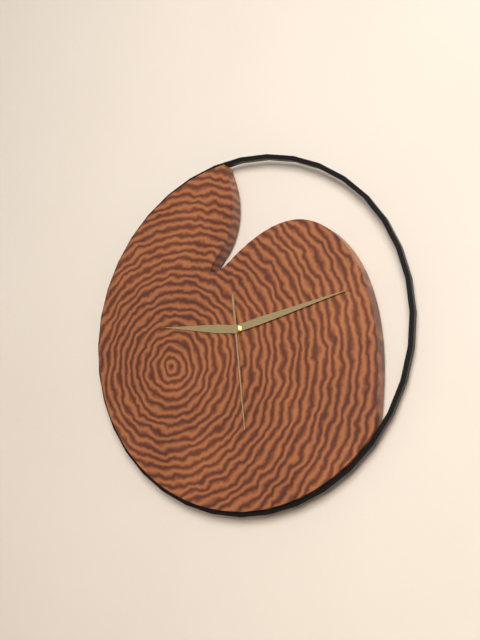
9:13:29
